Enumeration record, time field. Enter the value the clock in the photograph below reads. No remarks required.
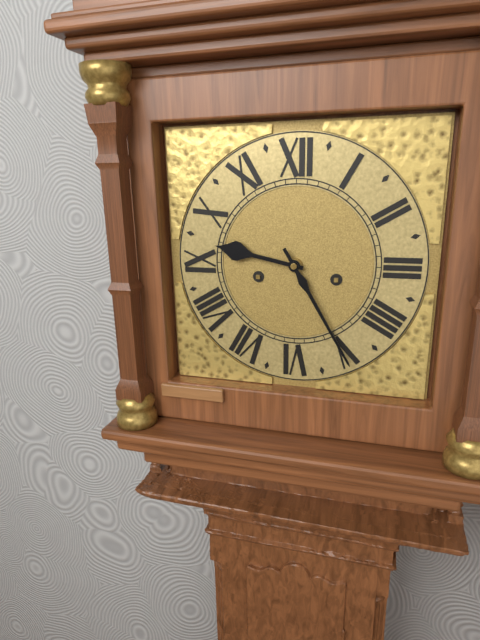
9:25
